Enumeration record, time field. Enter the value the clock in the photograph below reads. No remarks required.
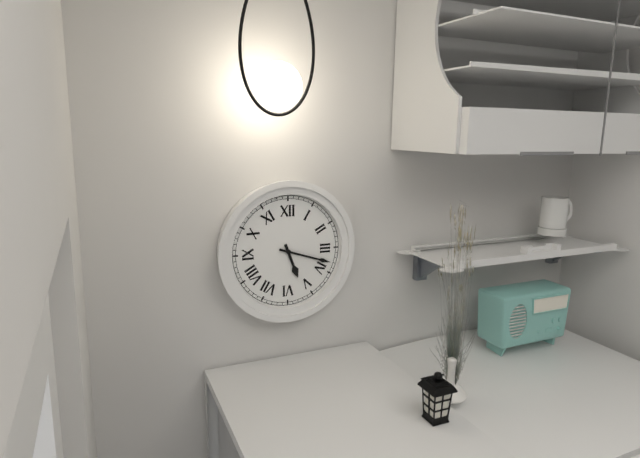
5:18
